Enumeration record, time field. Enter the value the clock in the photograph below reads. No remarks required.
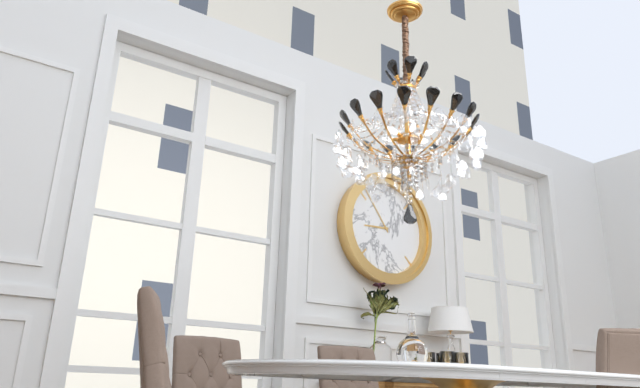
8:54
